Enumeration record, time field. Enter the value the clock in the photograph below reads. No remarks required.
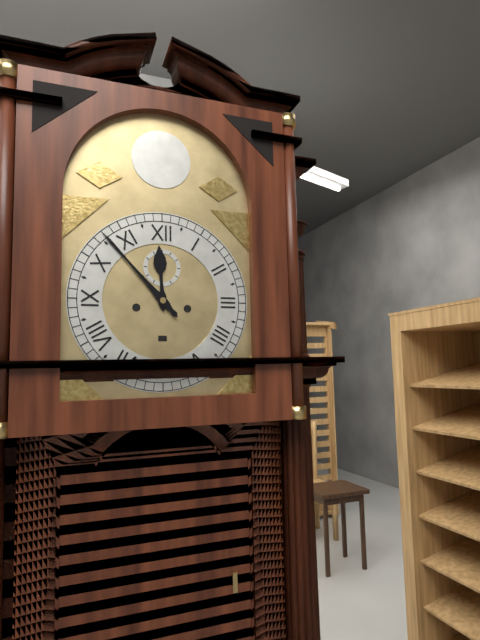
11:53
